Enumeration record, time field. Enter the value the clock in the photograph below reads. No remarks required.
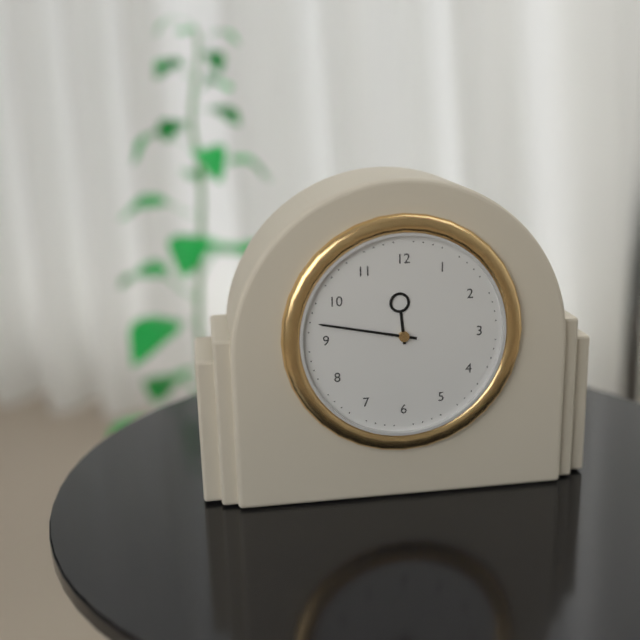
11:47
